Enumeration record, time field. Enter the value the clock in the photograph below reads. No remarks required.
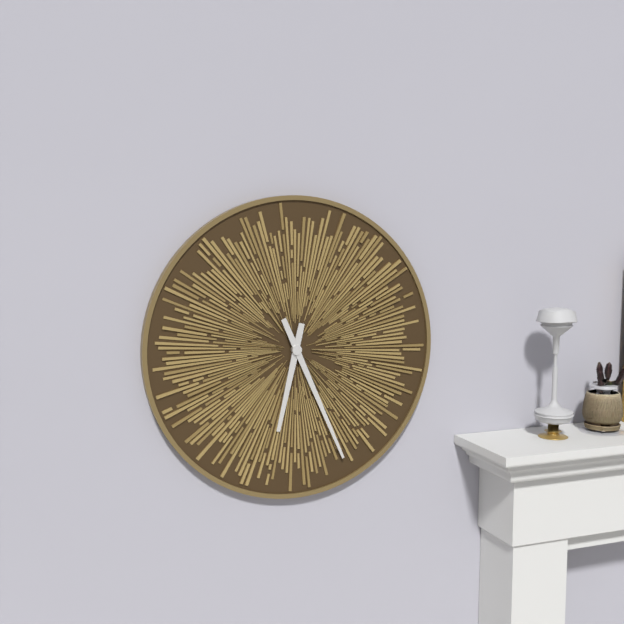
6:26
